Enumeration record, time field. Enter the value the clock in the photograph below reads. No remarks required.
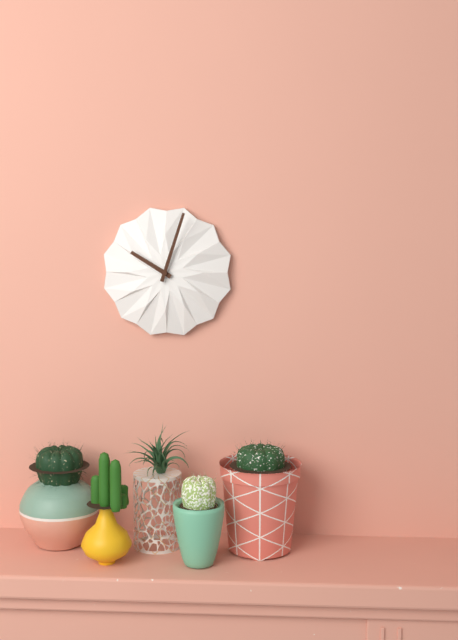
10:03
